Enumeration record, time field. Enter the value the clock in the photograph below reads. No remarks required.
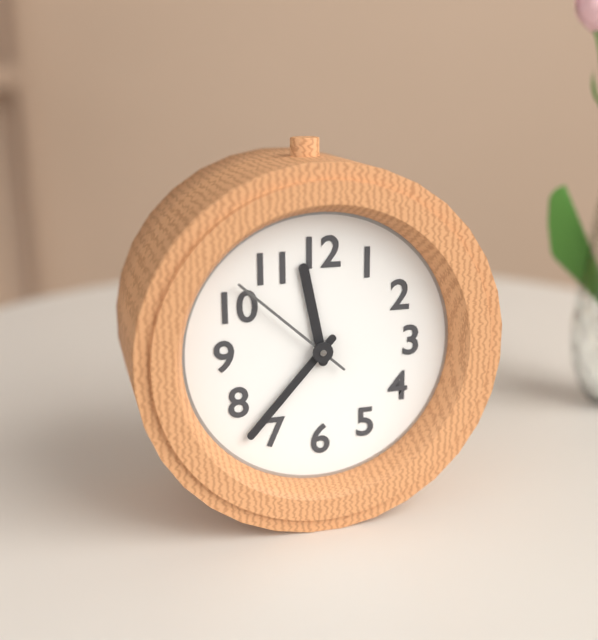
11:37:52
